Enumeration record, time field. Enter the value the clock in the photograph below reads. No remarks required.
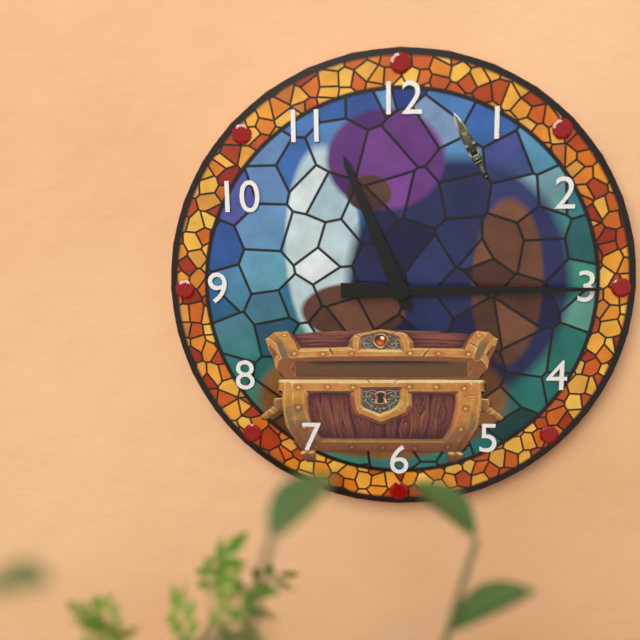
11:15
